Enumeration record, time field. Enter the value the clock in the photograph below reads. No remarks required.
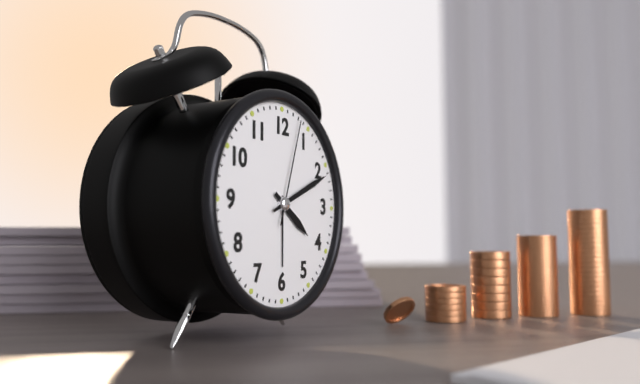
4:11:03
